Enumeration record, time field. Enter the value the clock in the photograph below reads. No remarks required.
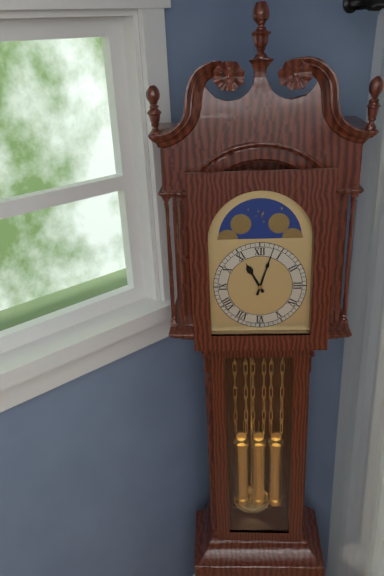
11:03
